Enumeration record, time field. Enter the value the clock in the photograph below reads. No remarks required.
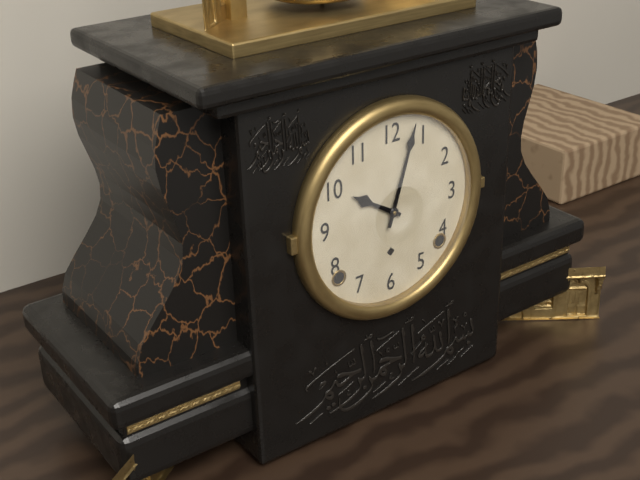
10:03
